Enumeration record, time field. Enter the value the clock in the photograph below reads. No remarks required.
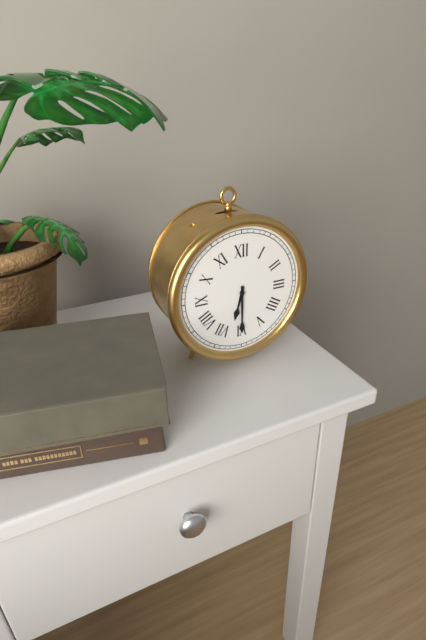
6:30
